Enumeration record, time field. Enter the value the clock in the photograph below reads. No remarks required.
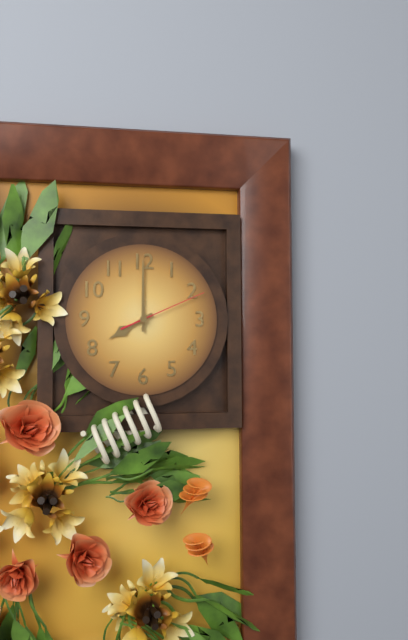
8:00:11
